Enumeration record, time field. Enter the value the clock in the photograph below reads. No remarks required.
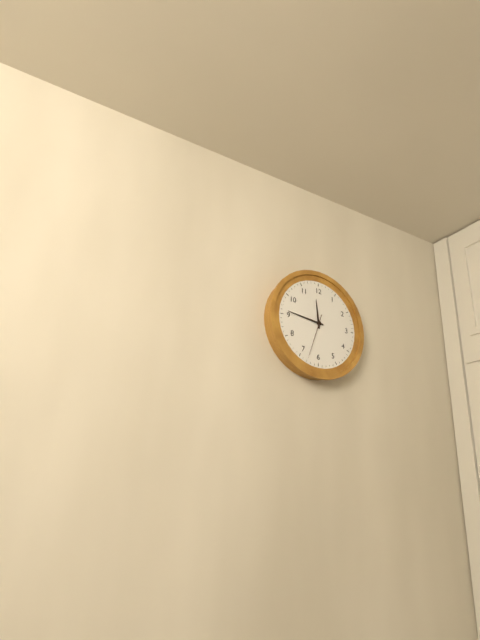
11:46
